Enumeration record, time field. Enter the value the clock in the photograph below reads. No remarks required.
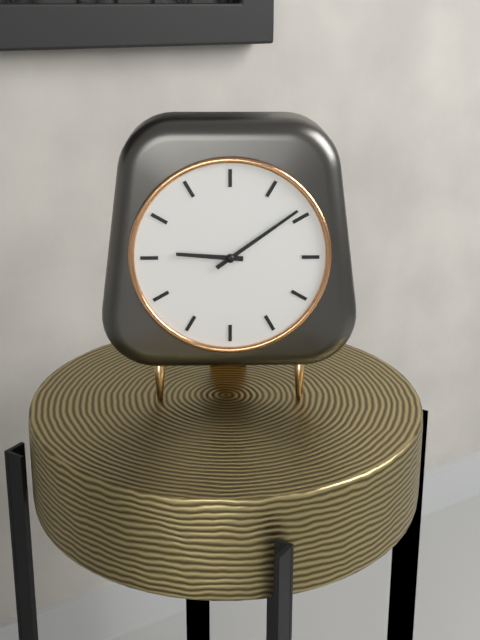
9:09
